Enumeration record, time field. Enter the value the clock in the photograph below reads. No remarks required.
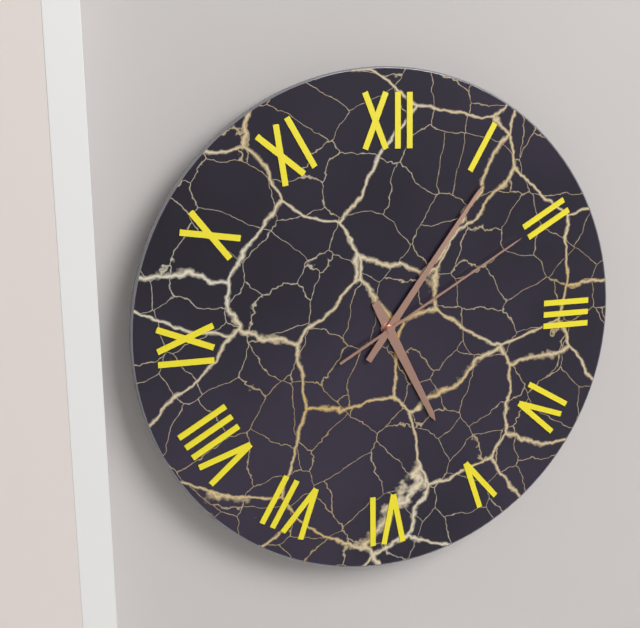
5:06:10
